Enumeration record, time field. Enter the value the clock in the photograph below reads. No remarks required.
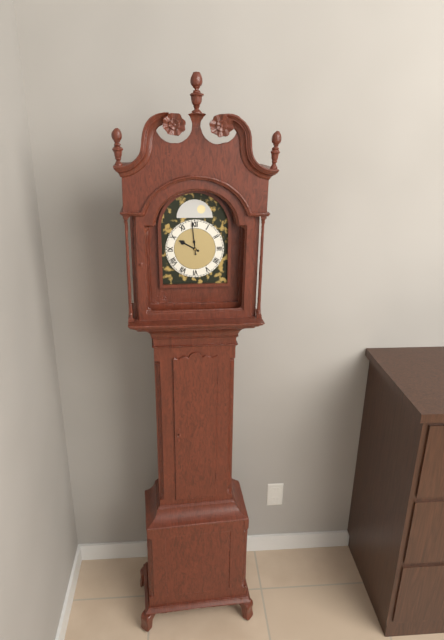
9:59
